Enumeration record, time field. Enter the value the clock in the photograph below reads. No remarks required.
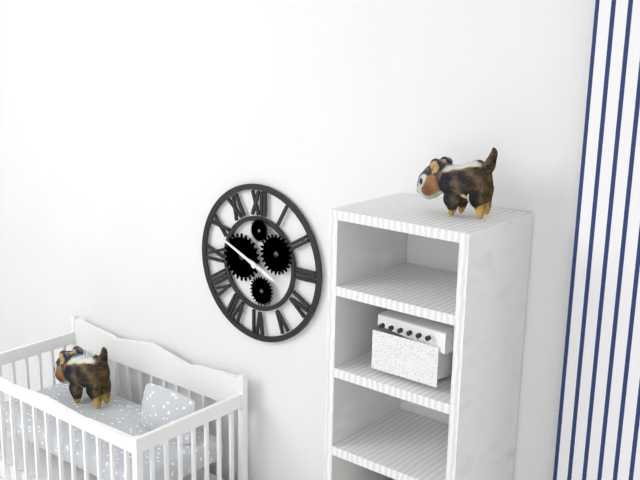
3:49
